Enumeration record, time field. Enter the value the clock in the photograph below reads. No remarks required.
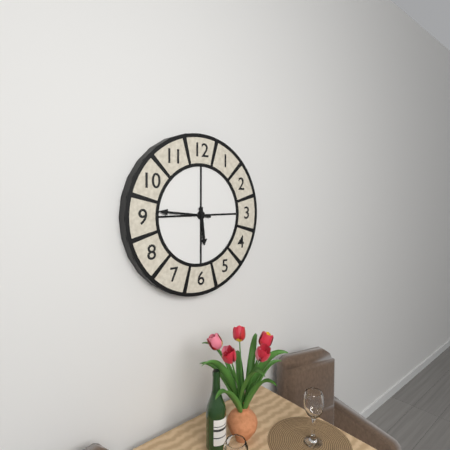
5:46
